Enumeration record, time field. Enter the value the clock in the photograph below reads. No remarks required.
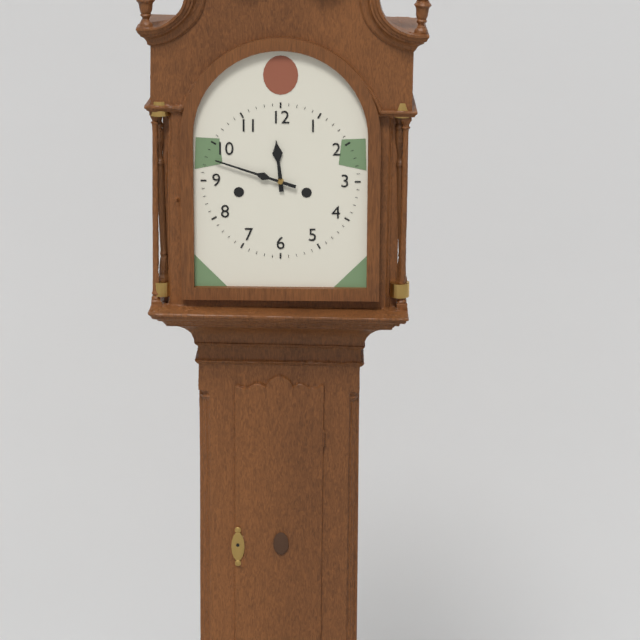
11:48
